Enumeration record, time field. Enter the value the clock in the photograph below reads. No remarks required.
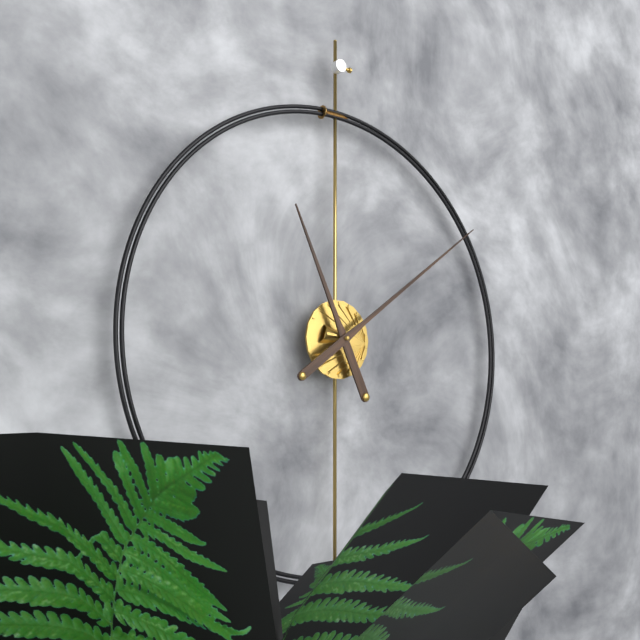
11:09
